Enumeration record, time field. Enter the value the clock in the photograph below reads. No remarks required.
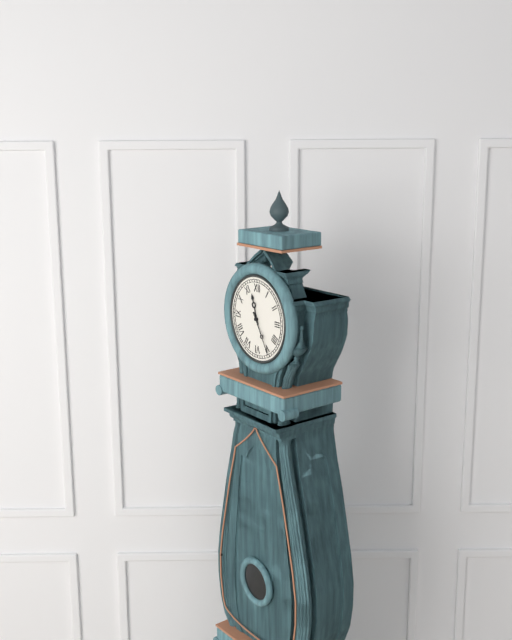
11:25
